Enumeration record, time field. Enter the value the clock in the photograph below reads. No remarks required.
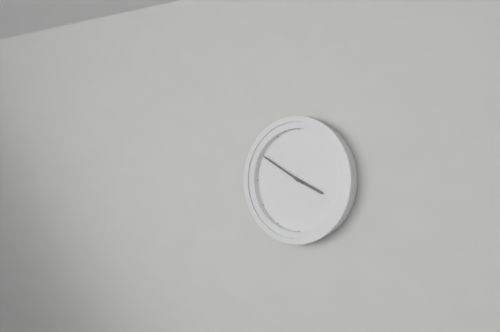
3:50
